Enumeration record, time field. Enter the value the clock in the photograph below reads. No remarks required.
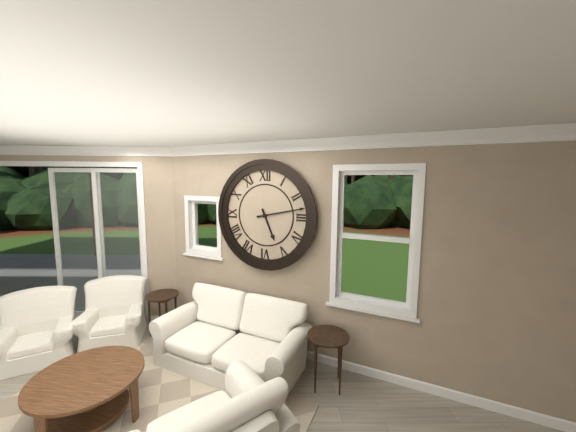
5:13
